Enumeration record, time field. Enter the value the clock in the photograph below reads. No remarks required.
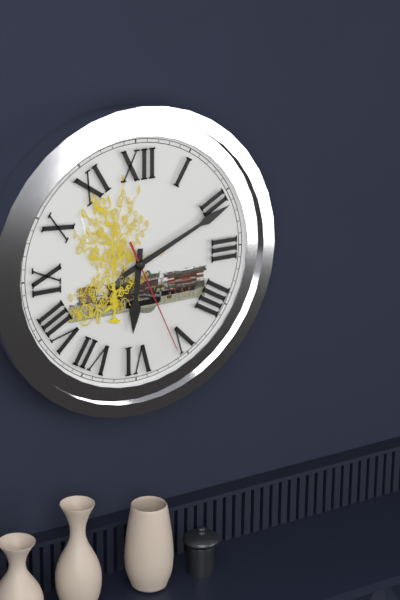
6:11:26
